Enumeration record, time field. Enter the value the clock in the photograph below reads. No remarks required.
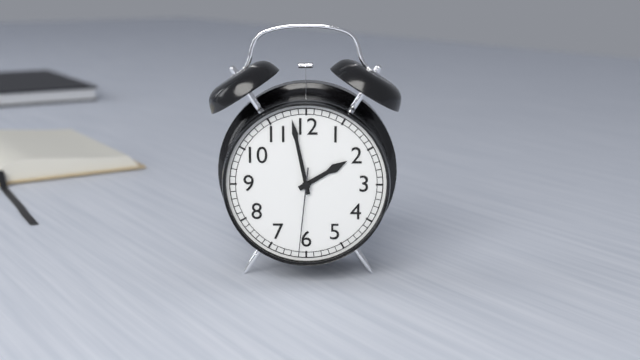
1:58:31
